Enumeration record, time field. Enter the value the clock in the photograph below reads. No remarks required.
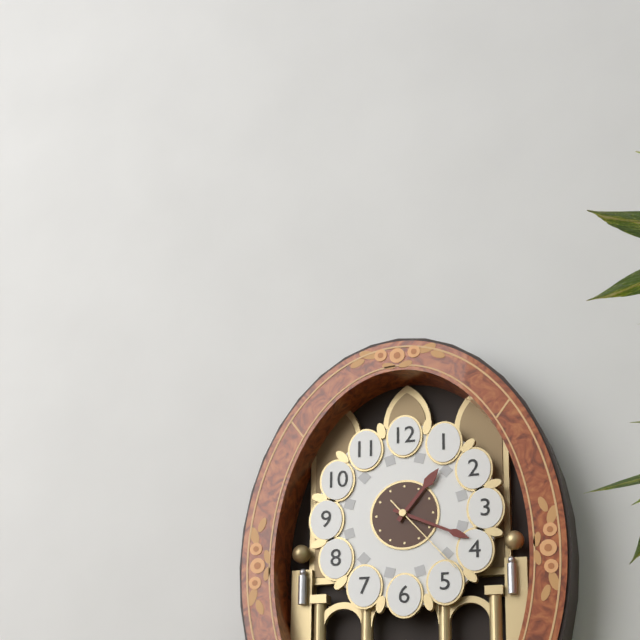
1:19:23
